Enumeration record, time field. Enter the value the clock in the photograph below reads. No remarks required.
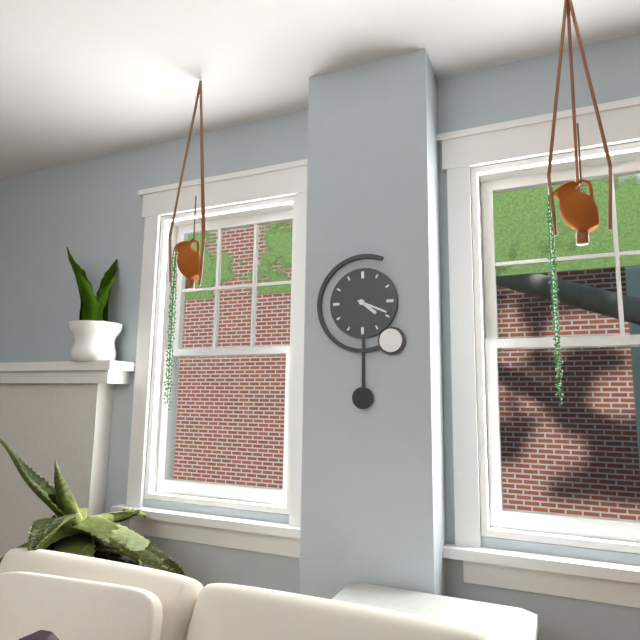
4:19
